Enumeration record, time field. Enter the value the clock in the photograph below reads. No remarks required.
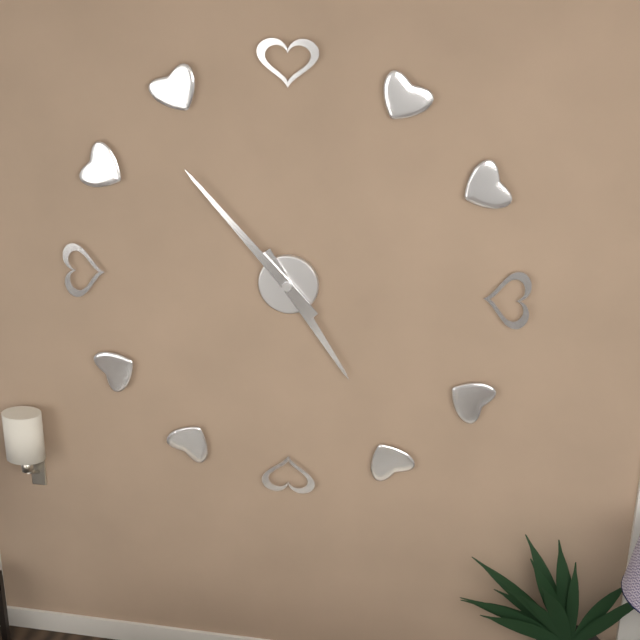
4:53
